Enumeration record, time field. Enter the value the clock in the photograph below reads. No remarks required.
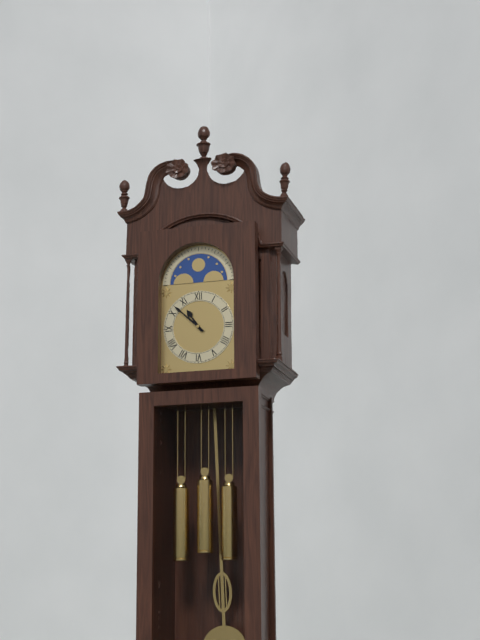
10:52
